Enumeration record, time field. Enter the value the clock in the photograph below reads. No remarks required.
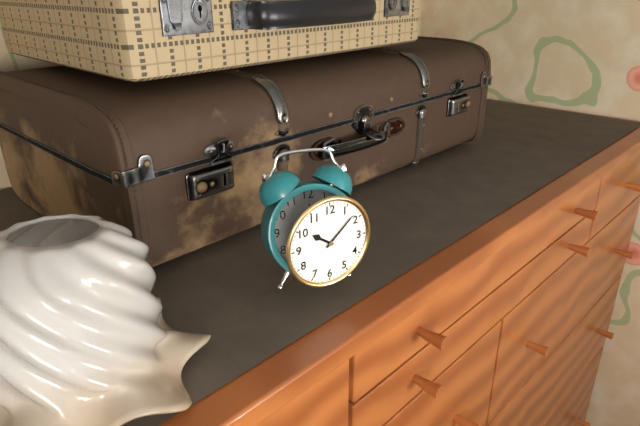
10:08
